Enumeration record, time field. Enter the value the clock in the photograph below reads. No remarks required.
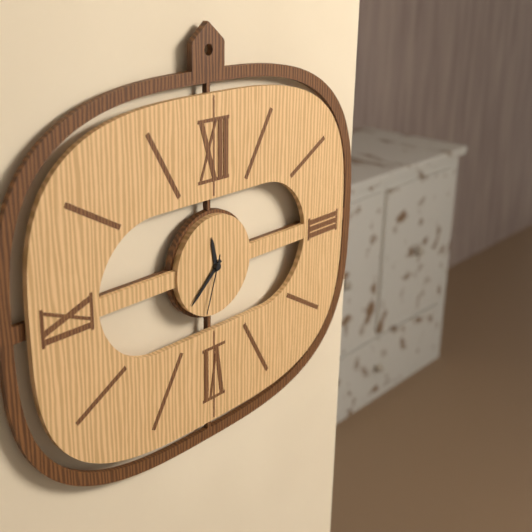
11:38:33
